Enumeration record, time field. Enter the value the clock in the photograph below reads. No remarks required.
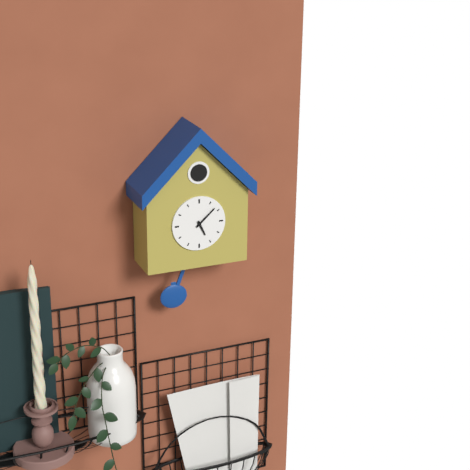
5:08
